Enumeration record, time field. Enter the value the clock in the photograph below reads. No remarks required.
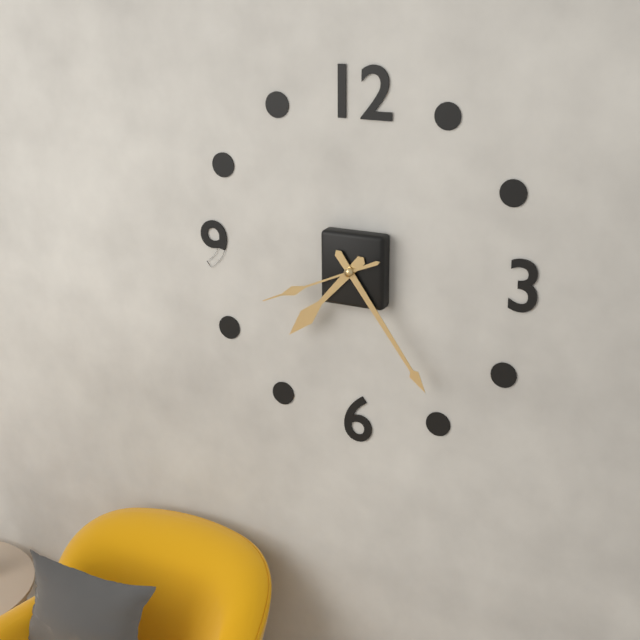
7:24:41
